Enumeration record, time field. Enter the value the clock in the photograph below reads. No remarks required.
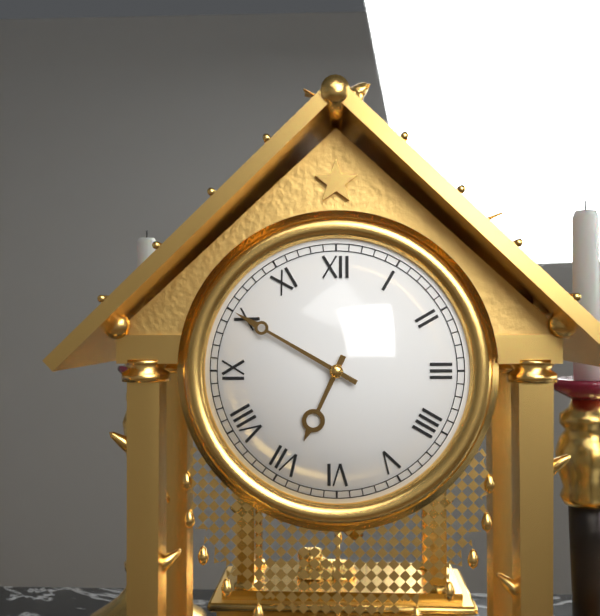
6:50
